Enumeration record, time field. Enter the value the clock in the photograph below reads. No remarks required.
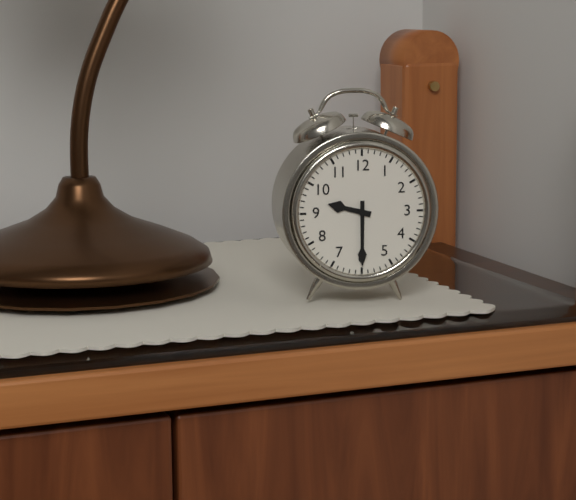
9:30
